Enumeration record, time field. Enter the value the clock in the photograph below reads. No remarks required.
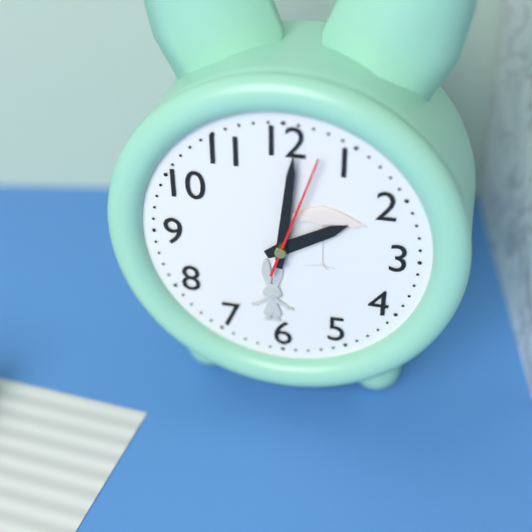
2:01:03
